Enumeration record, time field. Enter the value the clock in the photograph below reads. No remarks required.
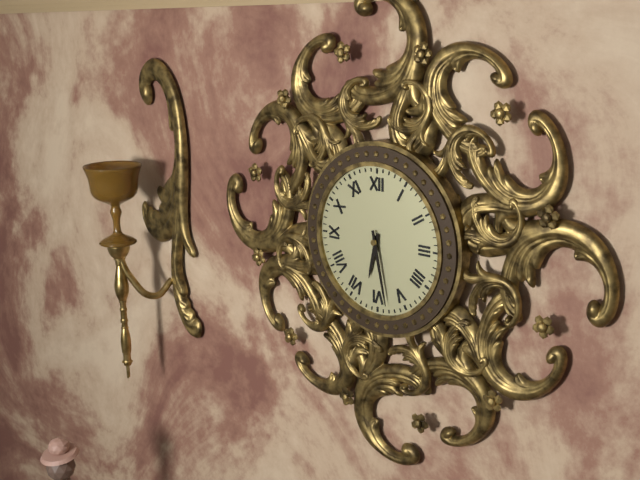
6:28
